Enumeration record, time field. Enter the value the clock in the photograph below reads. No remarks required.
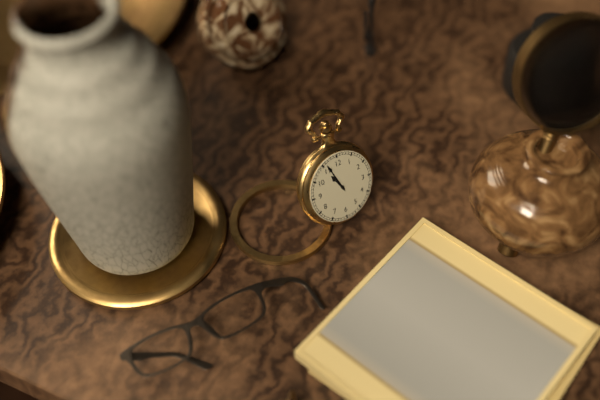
10:56
